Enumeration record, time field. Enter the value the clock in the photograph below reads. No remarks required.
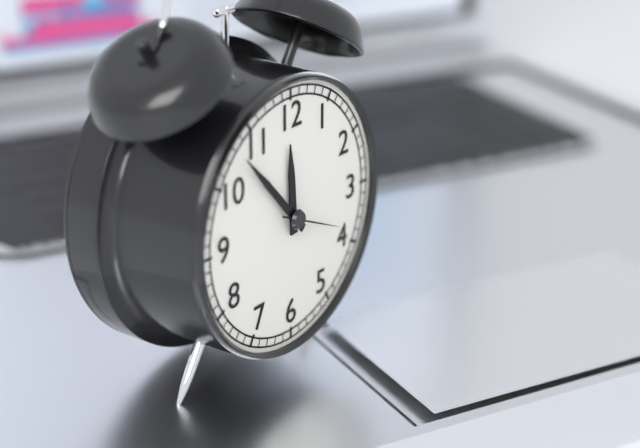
11:53:19
